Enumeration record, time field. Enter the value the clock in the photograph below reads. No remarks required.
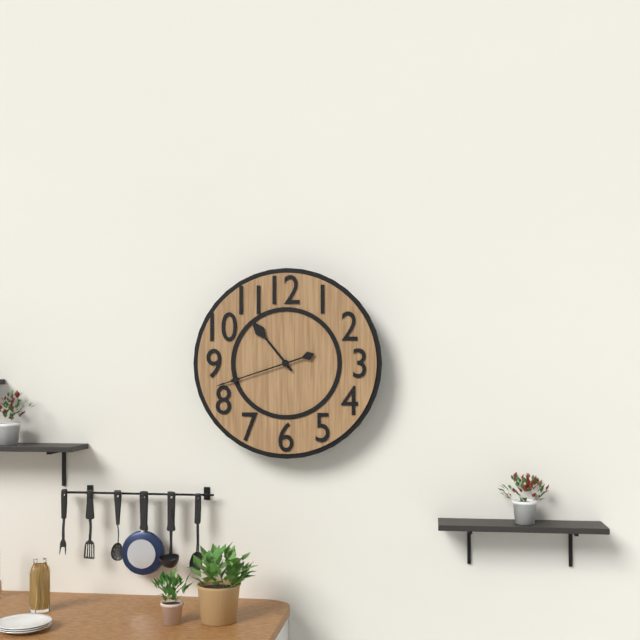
10:42
